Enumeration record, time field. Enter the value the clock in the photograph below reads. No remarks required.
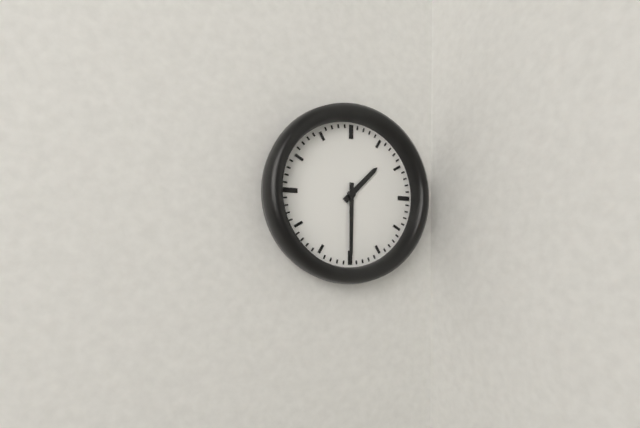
1:30
